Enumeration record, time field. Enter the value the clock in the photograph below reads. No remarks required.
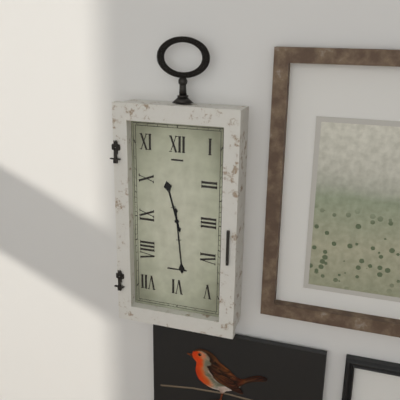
11:29
